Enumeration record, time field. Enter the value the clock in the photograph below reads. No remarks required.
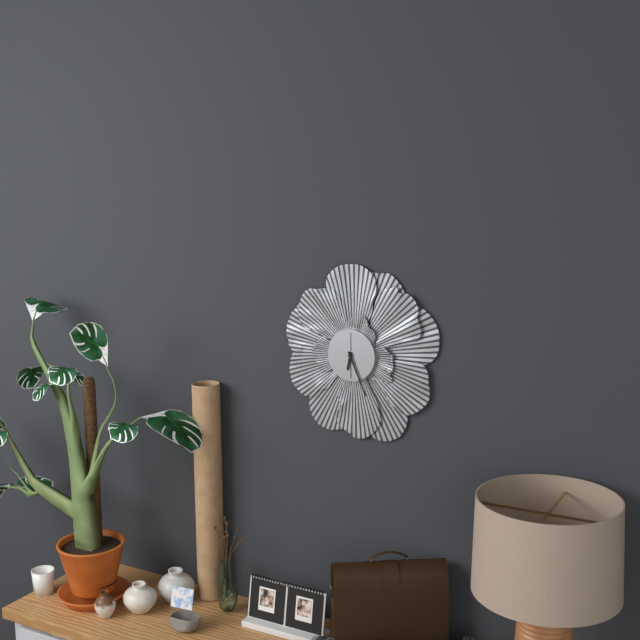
6:26
